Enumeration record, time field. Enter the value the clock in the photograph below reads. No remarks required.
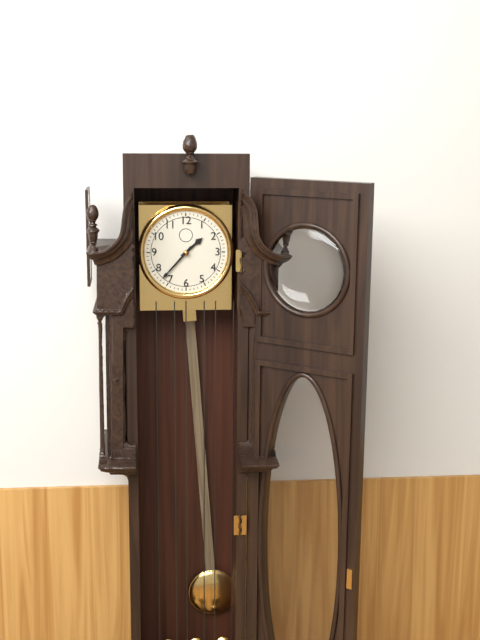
1:37
